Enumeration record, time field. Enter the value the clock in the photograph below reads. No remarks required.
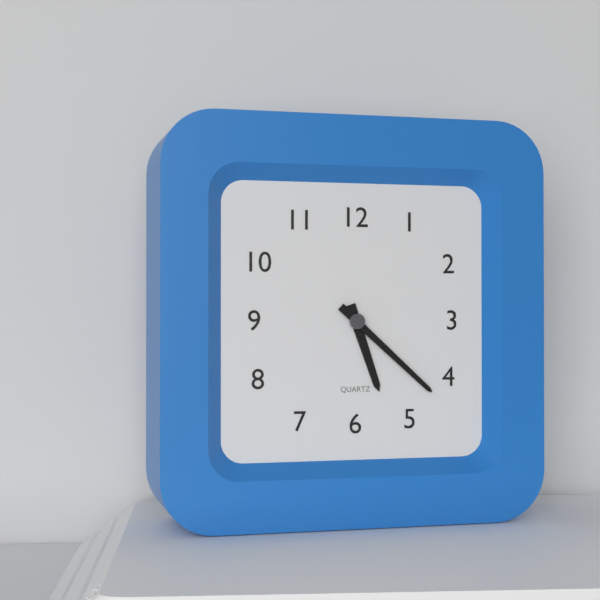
5:22
